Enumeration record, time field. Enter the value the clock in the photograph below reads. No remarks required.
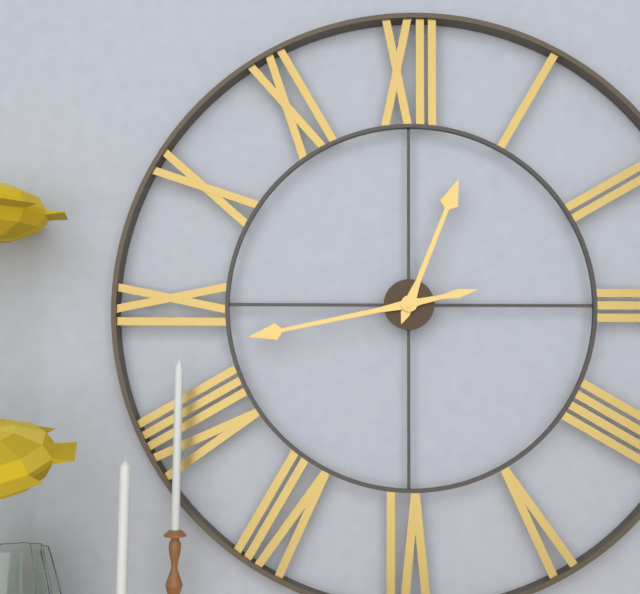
12:43
